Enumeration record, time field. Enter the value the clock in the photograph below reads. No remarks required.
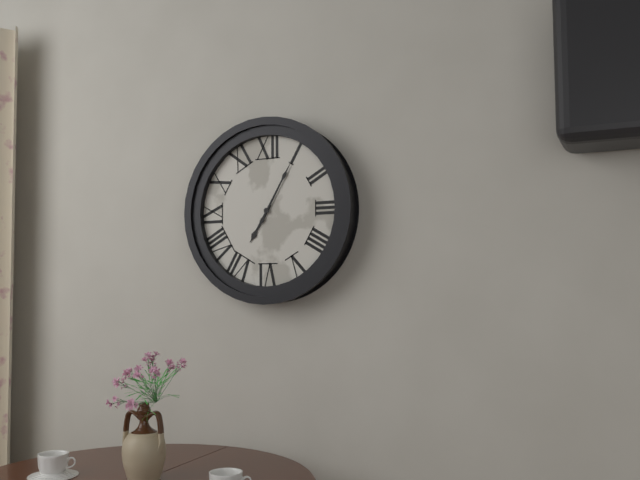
7:05
